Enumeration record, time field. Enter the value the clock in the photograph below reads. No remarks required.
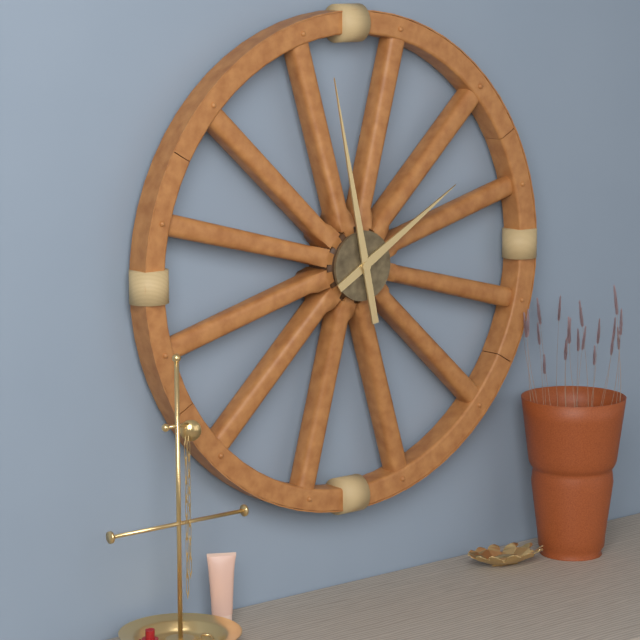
1:58
